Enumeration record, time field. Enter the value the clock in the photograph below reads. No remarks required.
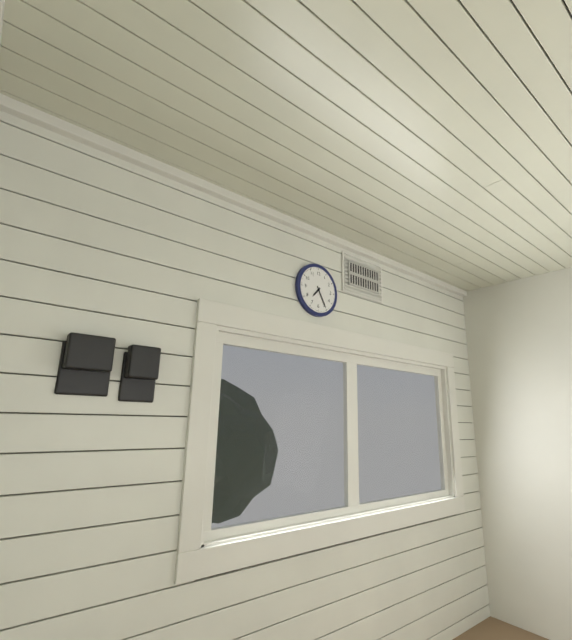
7:25
